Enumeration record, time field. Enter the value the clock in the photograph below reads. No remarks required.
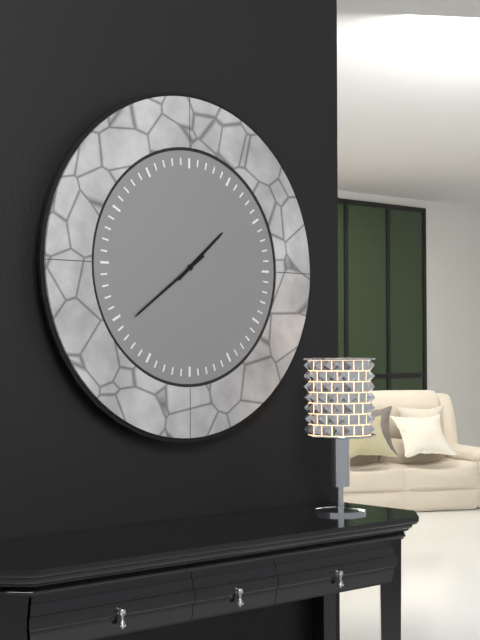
1:39
